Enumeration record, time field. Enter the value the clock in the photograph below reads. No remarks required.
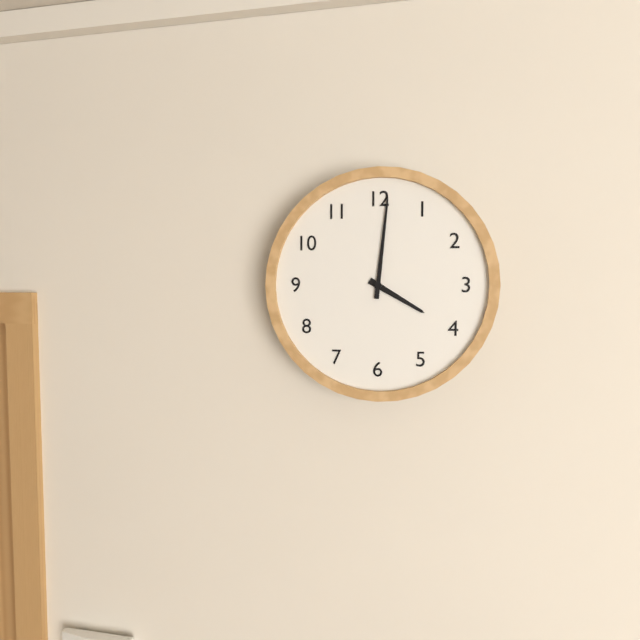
4:01
